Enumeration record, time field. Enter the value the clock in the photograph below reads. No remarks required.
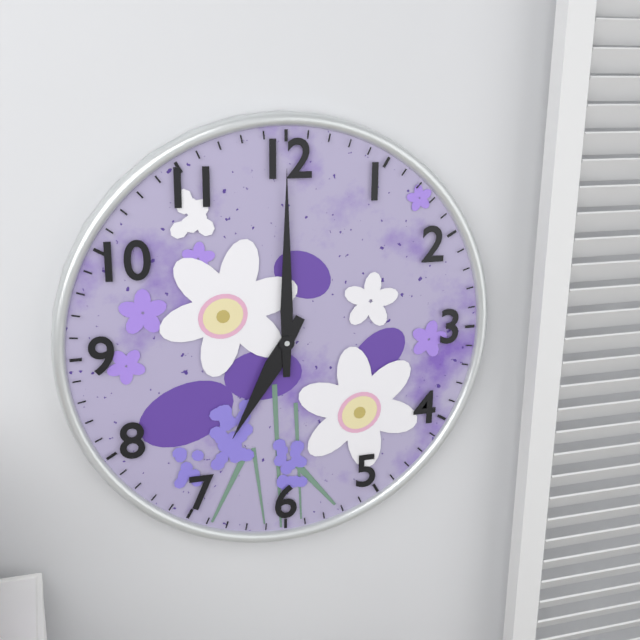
7:00
